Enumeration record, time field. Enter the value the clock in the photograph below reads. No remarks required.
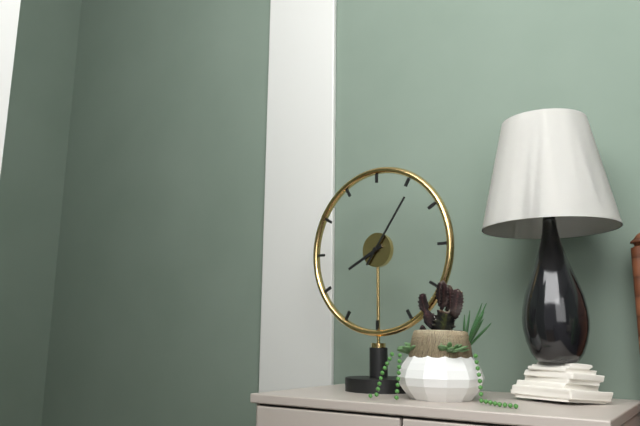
8:06
